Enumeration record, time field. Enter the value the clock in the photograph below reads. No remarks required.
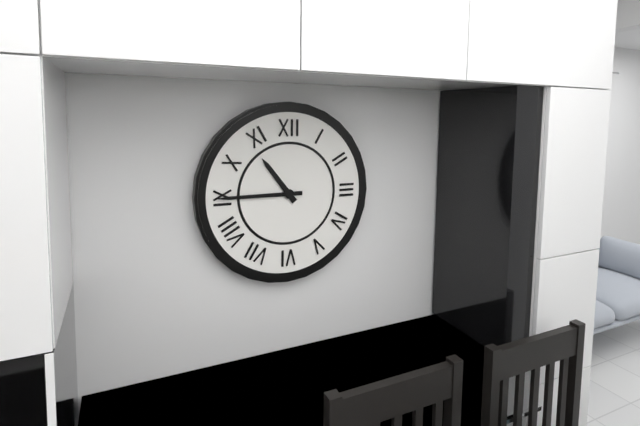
10:45
